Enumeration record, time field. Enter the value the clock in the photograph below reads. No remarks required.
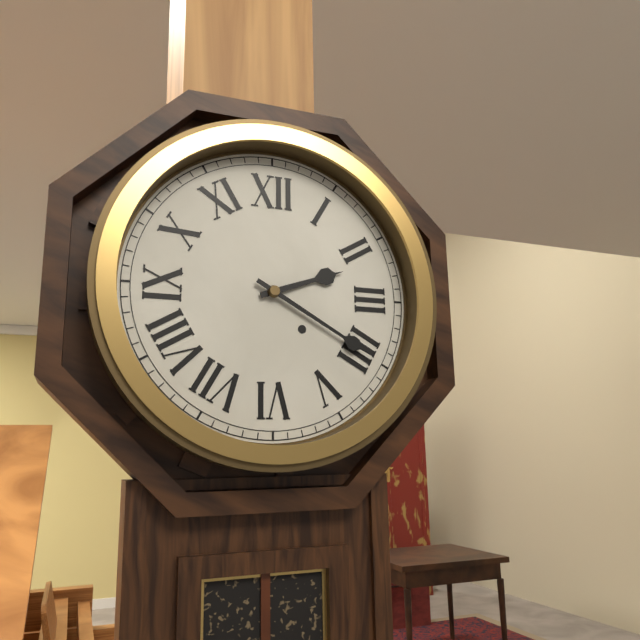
2:20
